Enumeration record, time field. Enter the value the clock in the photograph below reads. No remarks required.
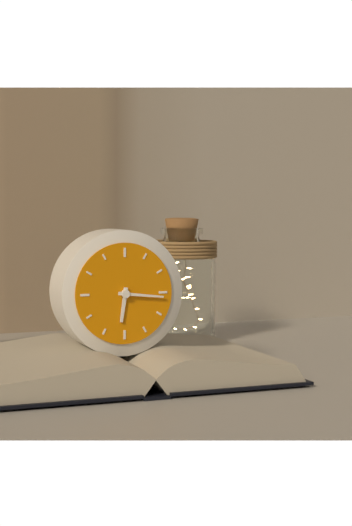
6:16
